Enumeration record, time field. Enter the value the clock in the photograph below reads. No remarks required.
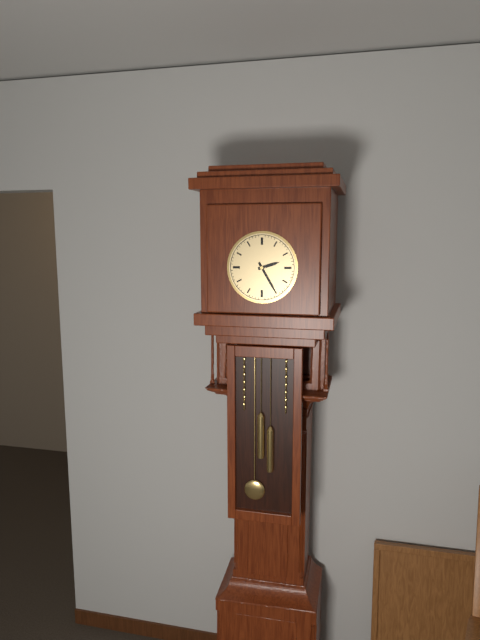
2:25
